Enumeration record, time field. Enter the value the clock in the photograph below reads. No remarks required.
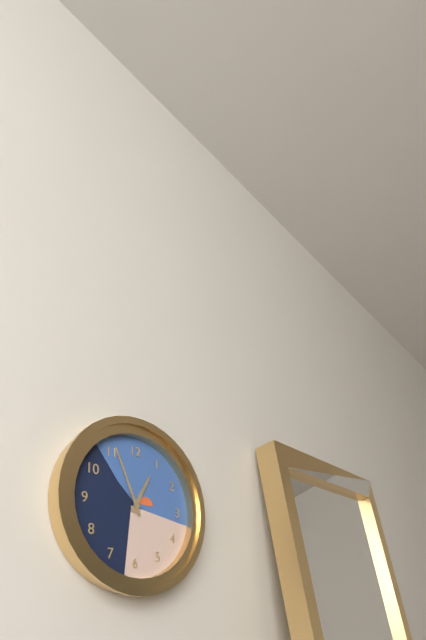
12:56
